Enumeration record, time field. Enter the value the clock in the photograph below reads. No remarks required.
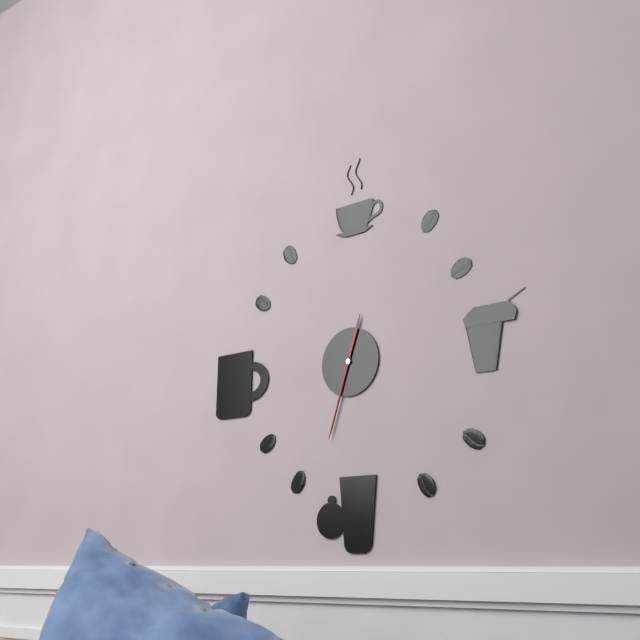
12:33:33
